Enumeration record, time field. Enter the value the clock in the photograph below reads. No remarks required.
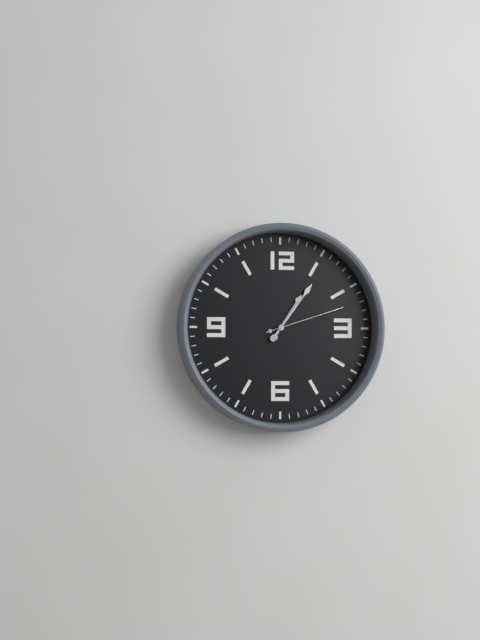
1:06:12
